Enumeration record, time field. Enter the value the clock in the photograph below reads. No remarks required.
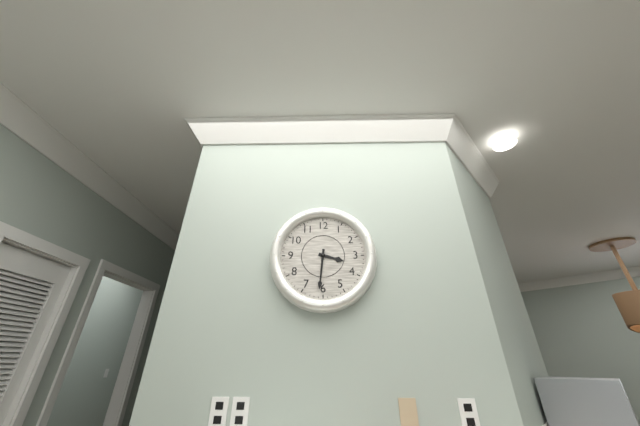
3:31
